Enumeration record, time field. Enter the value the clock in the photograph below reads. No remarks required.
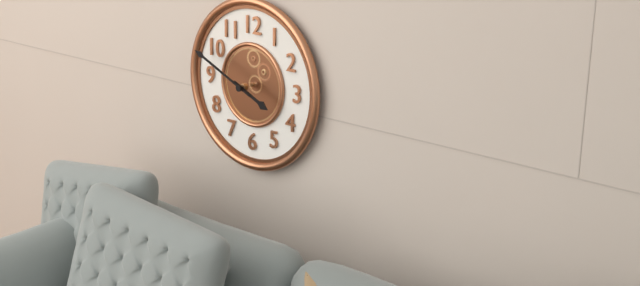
3:49
